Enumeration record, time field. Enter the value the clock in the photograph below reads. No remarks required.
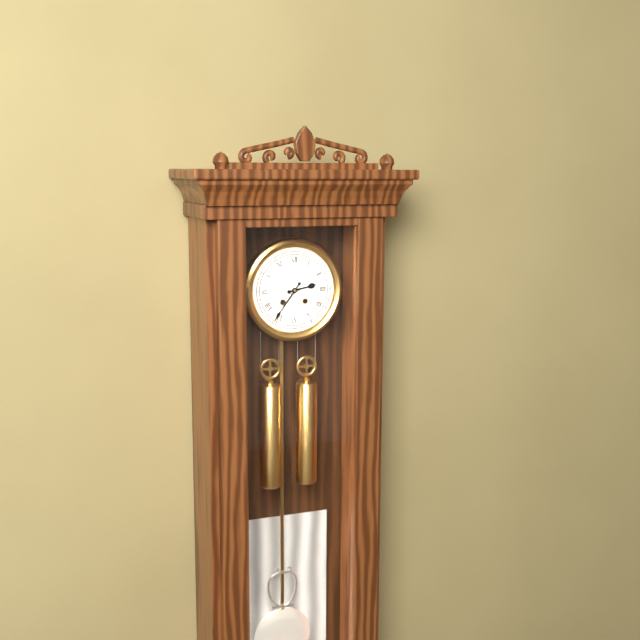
2:36
